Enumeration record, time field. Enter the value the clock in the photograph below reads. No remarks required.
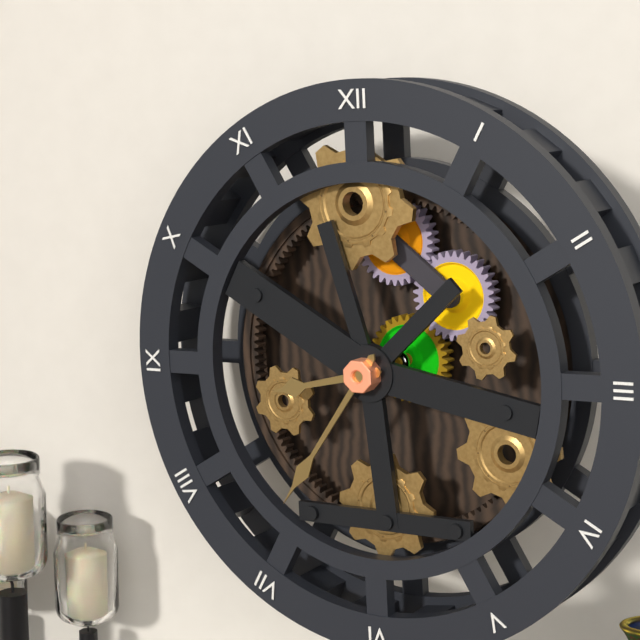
8:36
